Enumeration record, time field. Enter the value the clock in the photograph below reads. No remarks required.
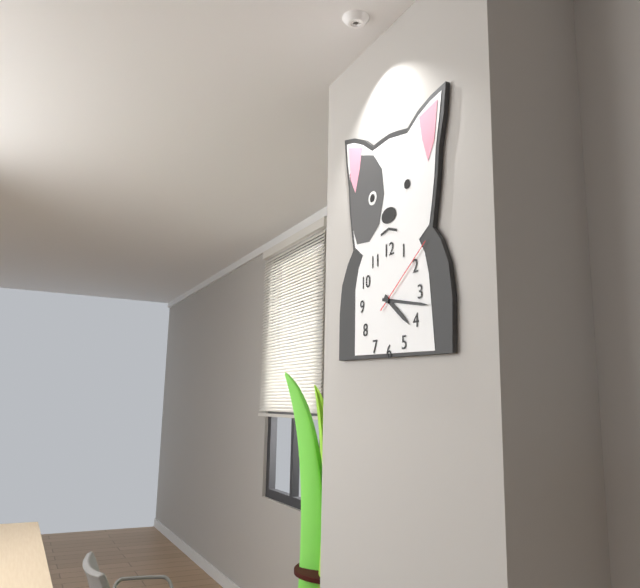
4:17:09
